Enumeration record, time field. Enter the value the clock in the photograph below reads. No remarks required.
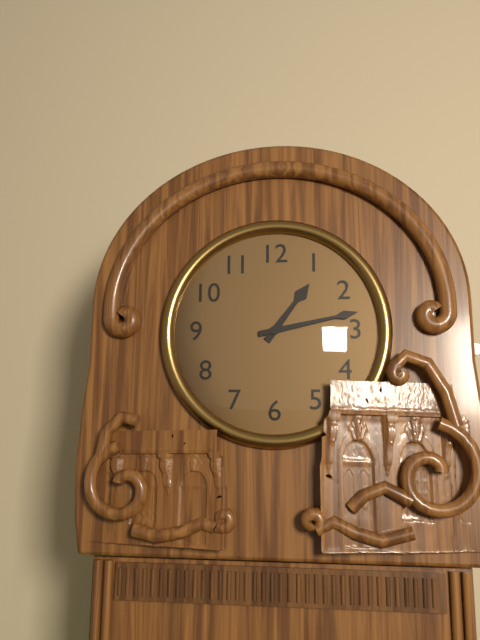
1:13
